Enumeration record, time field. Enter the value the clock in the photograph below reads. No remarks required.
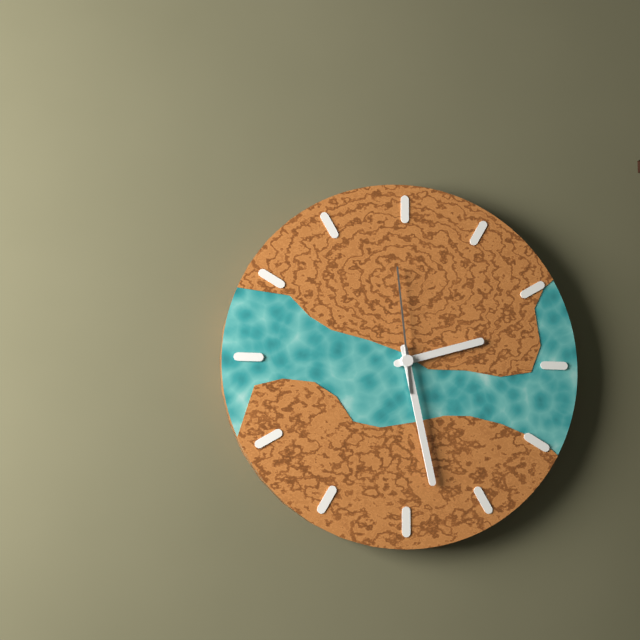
2:28:59
